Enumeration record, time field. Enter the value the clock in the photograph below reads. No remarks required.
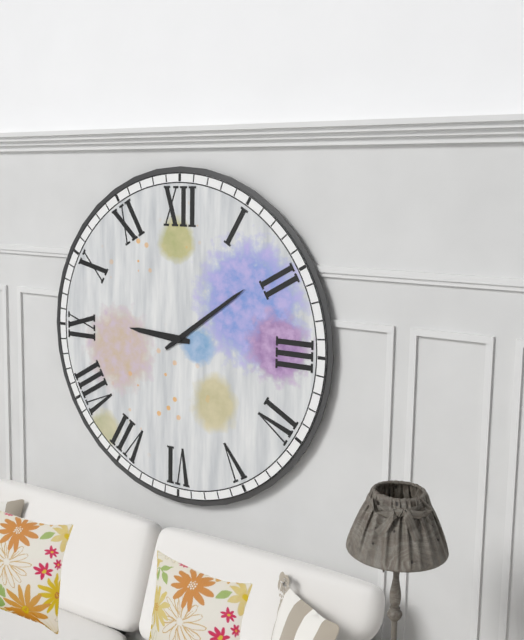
9:09
